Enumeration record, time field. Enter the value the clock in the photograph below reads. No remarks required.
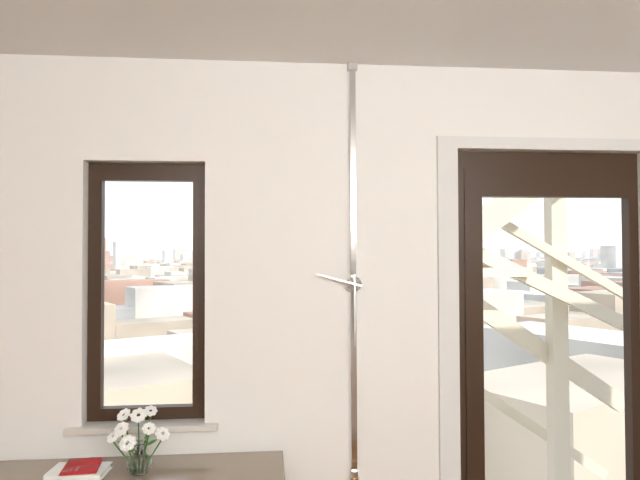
9:30
